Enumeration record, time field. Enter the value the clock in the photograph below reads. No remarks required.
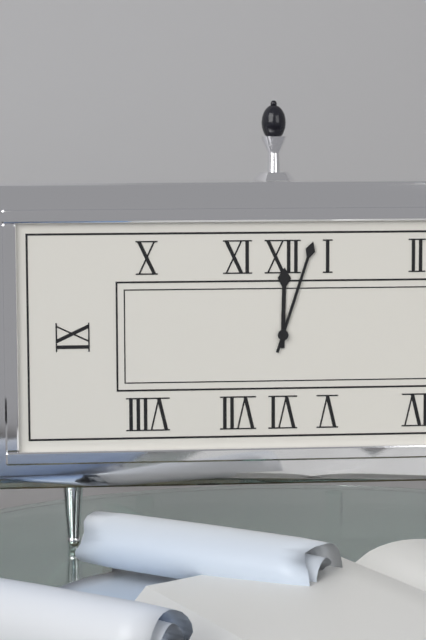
12:03
